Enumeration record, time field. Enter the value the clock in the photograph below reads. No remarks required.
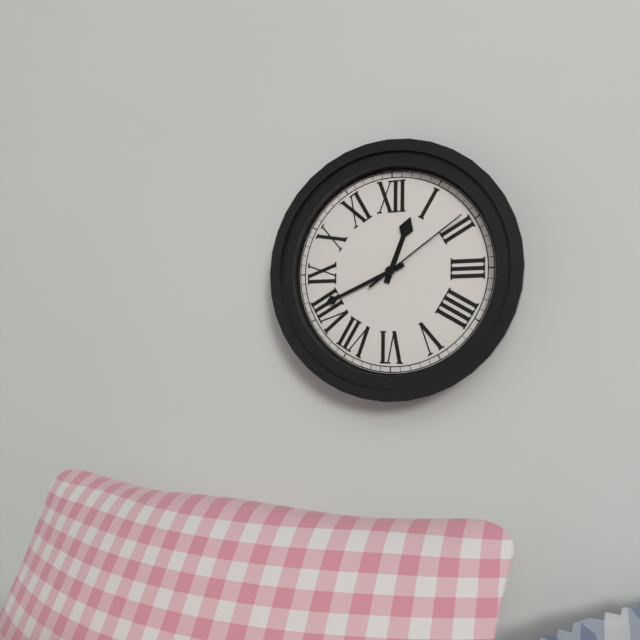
12:41:09
